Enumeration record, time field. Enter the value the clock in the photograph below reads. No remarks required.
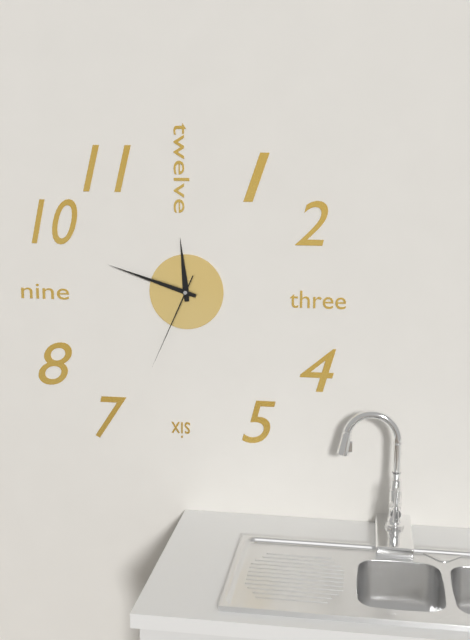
11:48:34
